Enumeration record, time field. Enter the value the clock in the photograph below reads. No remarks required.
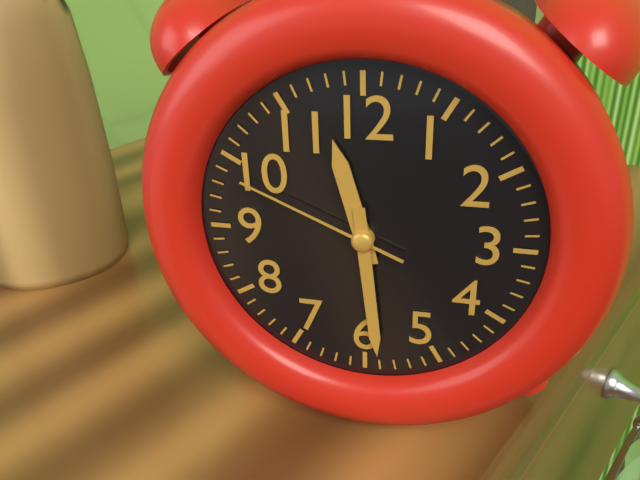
11:29:49
